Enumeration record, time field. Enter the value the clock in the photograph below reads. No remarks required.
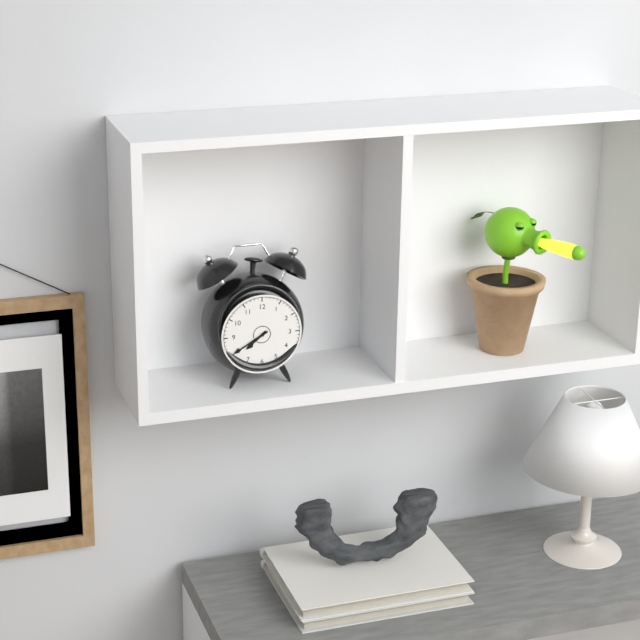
7:40
